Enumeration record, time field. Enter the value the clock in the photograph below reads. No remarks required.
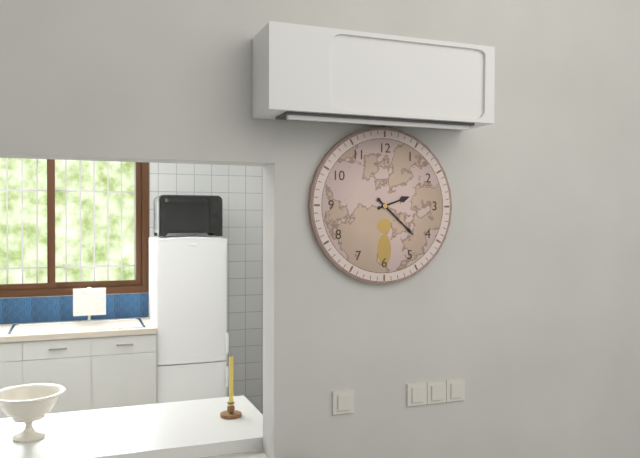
2:22
